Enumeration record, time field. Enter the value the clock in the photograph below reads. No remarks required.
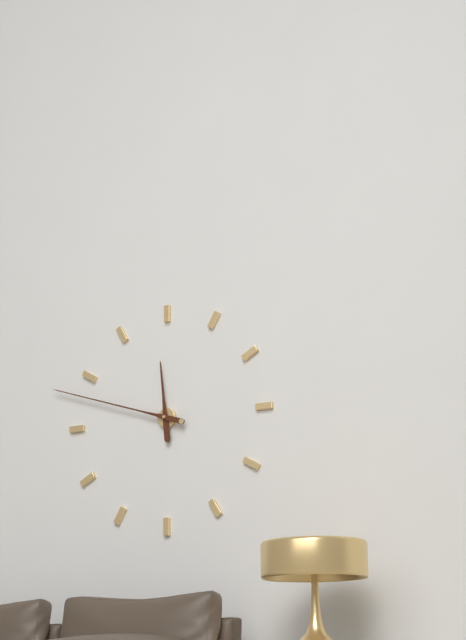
11:48
